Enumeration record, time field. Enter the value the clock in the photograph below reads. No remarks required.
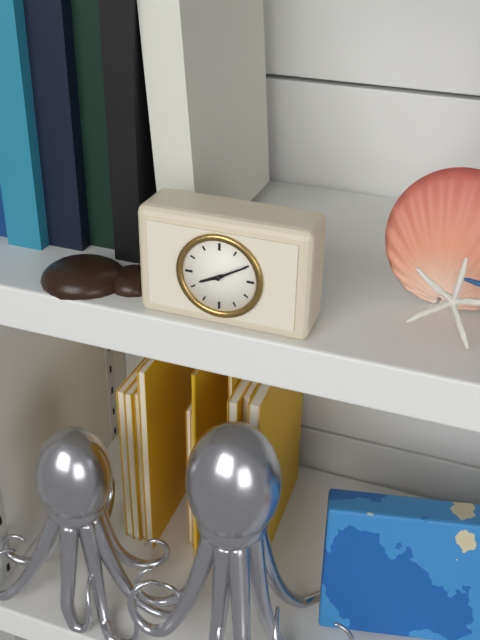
8:10
